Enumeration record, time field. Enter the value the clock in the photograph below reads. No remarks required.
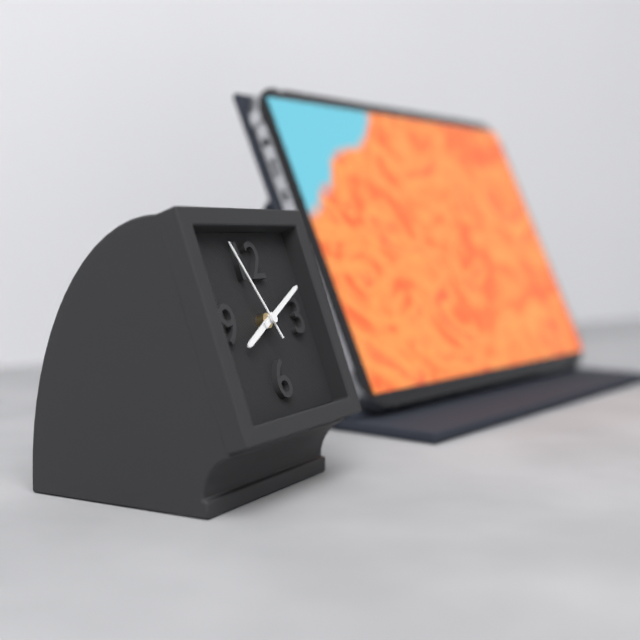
8:11:56
